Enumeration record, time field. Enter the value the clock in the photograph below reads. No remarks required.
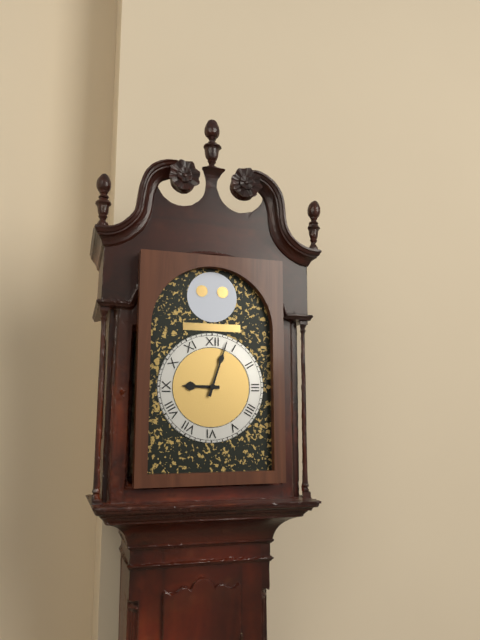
9:03
